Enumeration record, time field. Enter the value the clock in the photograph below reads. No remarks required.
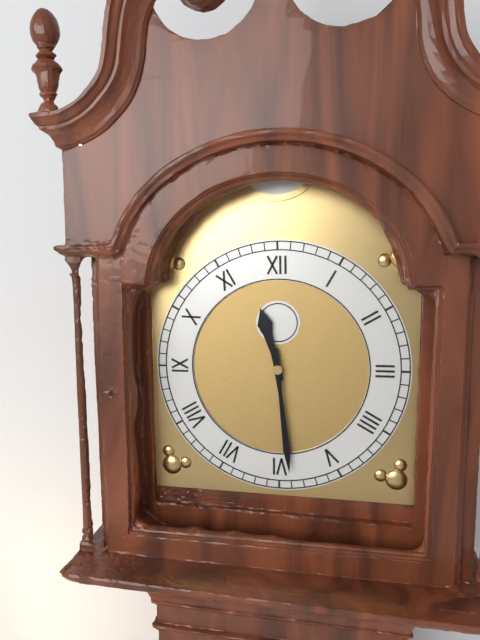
11:29
